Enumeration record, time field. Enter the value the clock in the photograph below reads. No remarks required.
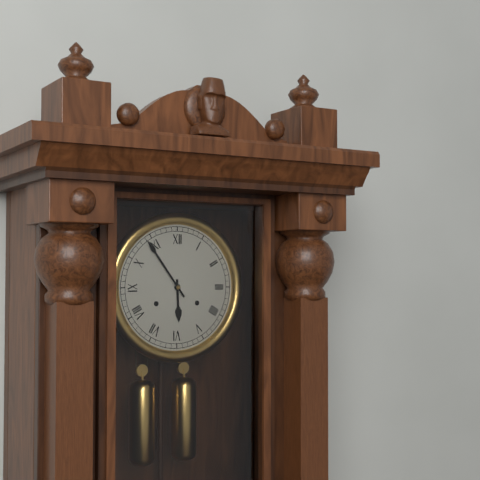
5:54
